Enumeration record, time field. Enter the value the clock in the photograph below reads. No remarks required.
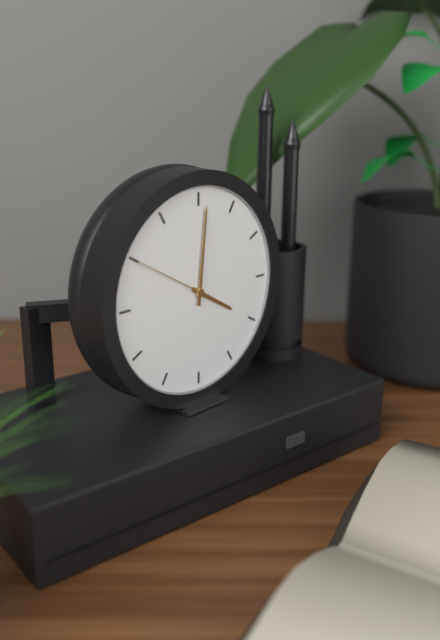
4:01:50
